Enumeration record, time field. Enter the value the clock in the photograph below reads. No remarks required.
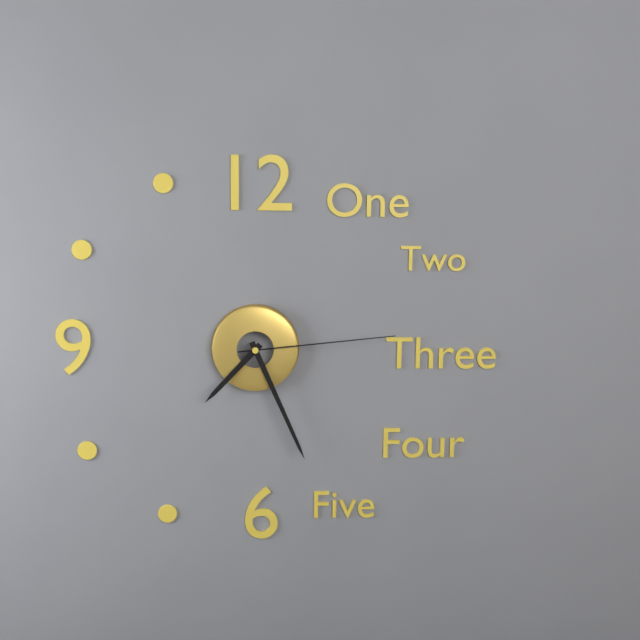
7:26:14
